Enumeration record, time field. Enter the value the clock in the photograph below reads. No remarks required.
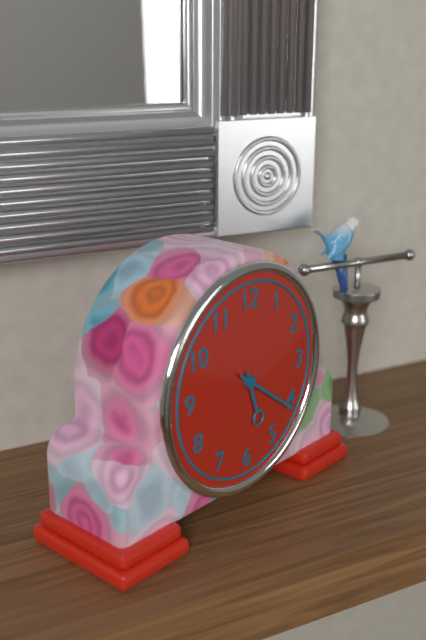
5:21
